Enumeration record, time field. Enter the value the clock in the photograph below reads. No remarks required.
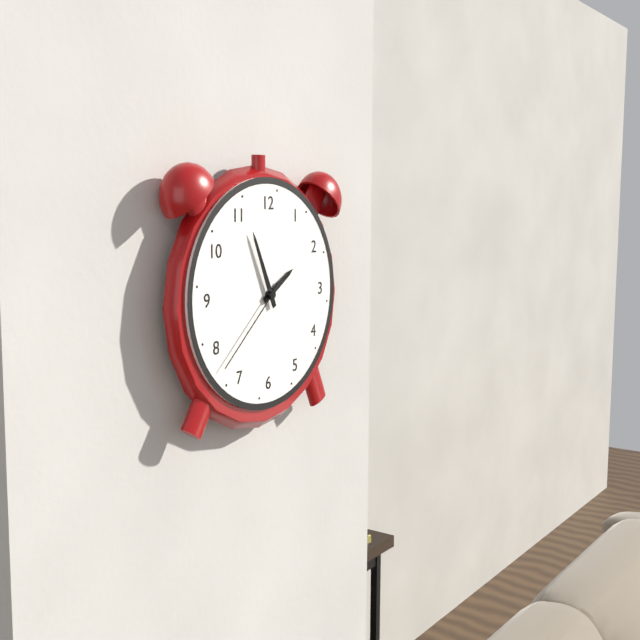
1:56:38
